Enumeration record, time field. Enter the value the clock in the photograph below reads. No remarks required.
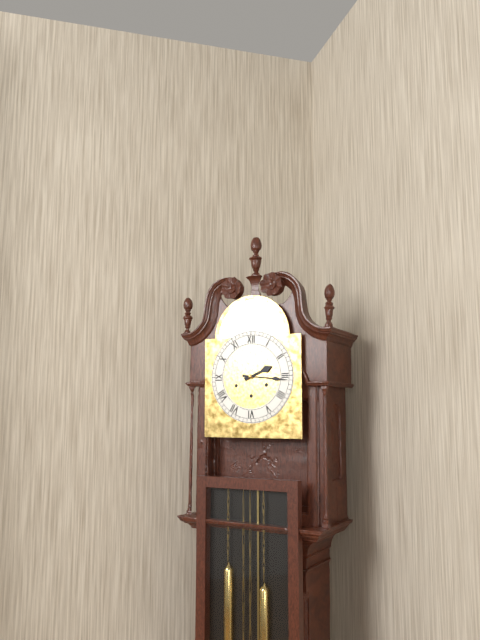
2:16
